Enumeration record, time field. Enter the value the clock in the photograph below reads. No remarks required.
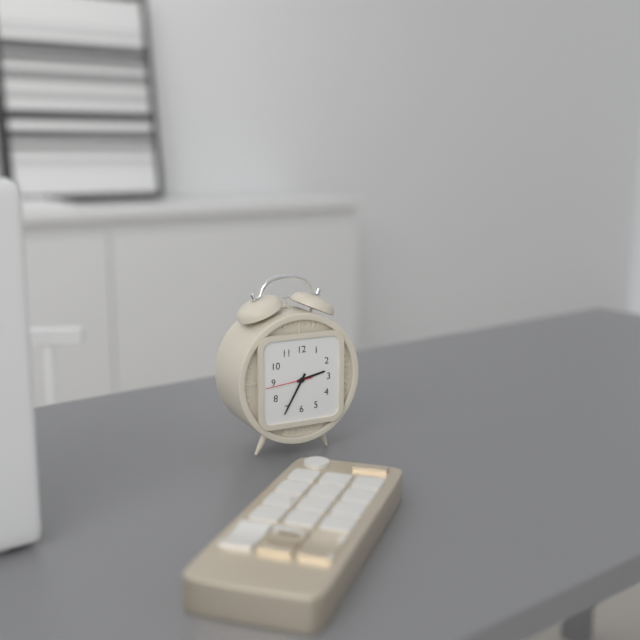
2:35
